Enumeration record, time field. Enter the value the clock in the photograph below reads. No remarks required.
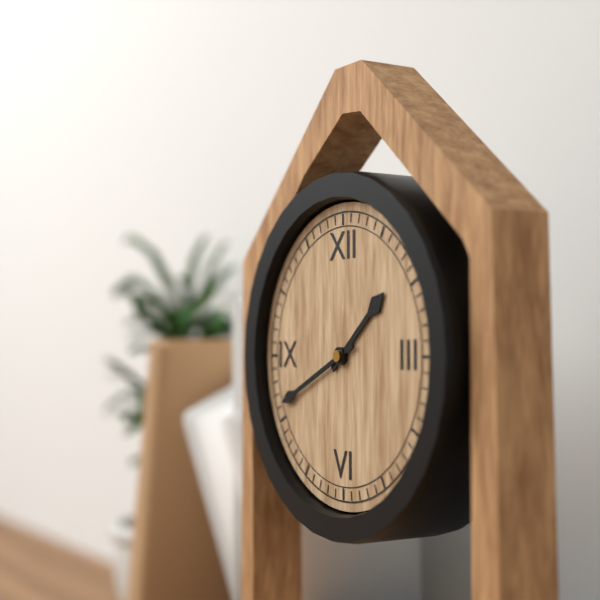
1:41
